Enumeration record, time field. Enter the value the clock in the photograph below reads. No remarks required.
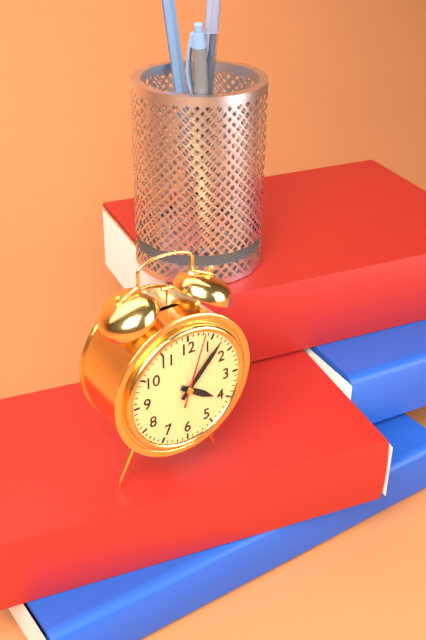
4:07:03
